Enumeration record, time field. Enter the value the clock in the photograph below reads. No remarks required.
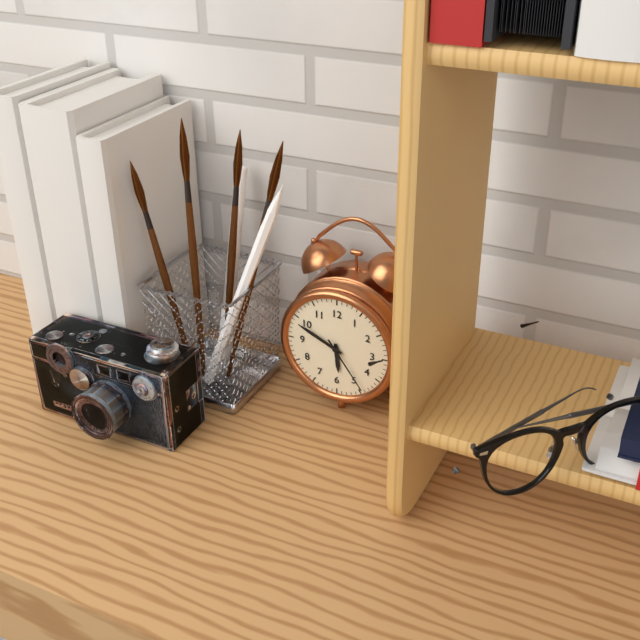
5:49:24
